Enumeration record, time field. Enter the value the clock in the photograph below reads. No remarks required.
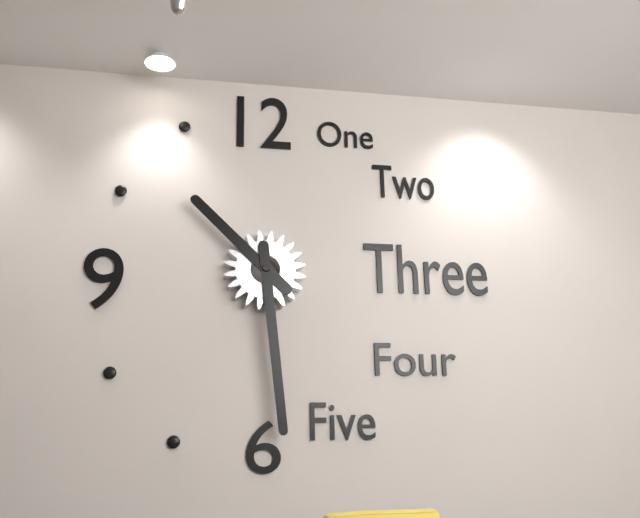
10:29
